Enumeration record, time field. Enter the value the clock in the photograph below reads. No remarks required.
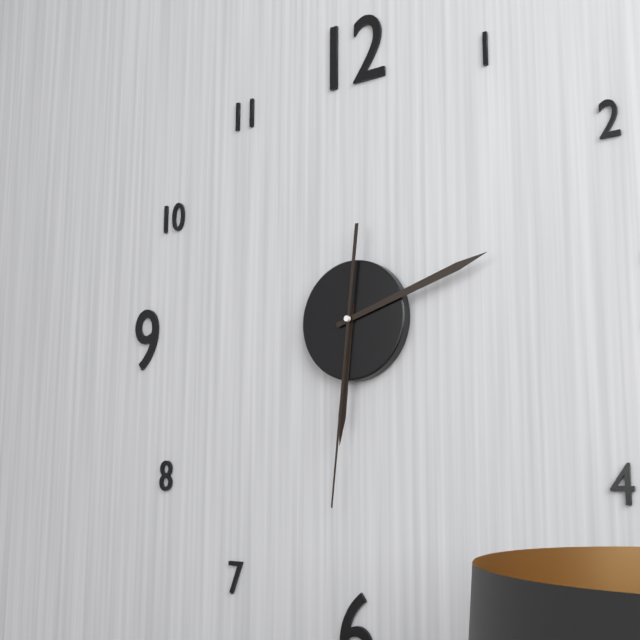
6:12:31
